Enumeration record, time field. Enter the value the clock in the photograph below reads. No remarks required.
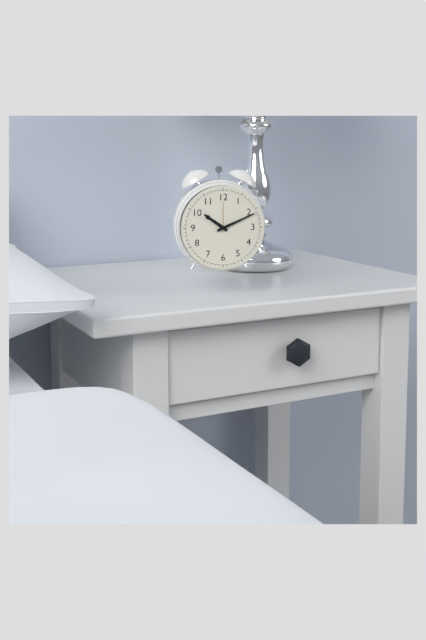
10:11
